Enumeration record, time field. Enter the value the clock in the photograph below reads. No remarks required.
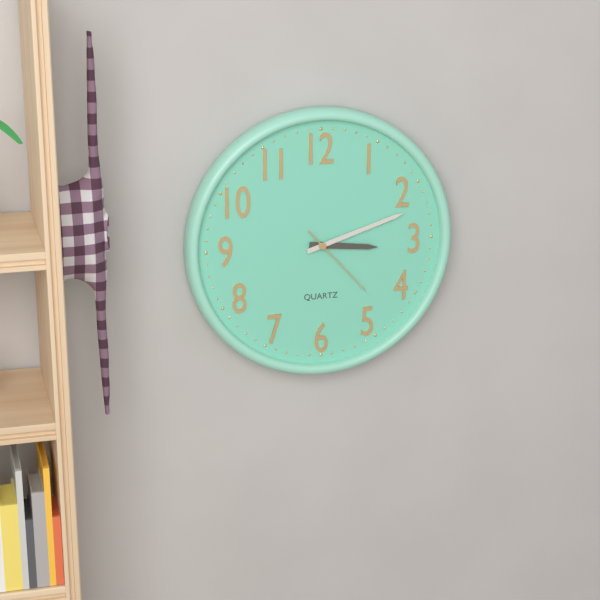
3:12:23
